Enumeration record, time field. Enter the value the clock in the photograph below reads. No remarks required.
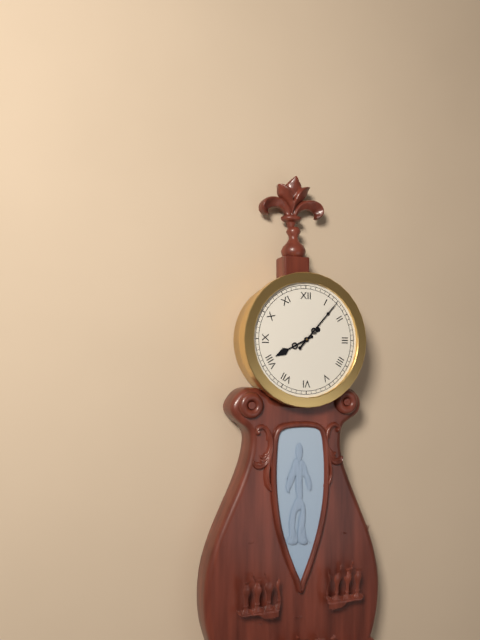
8:07
